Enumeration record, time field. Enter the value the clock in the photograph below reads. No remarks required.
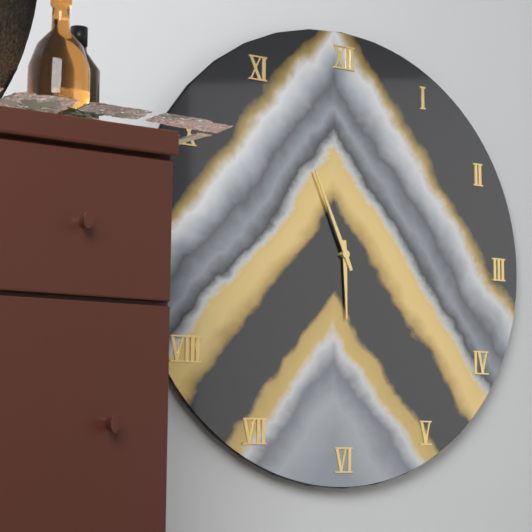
5:56
